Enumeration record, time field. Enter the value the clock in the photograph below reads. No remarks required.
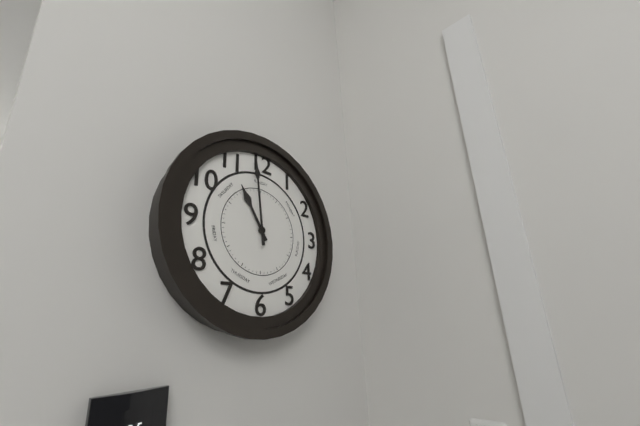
10:59
